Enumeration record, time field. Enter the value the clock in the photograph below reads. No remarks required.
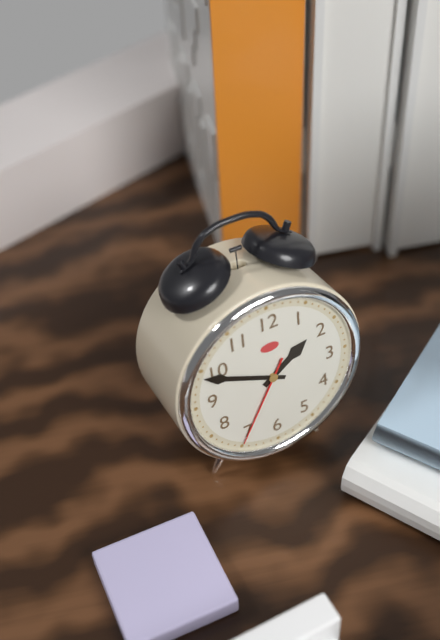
1:49:35
